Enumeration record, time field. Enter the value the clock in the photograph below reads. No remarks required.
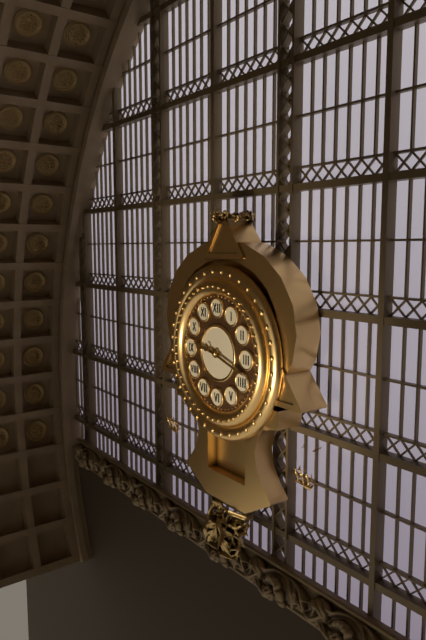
9:18
